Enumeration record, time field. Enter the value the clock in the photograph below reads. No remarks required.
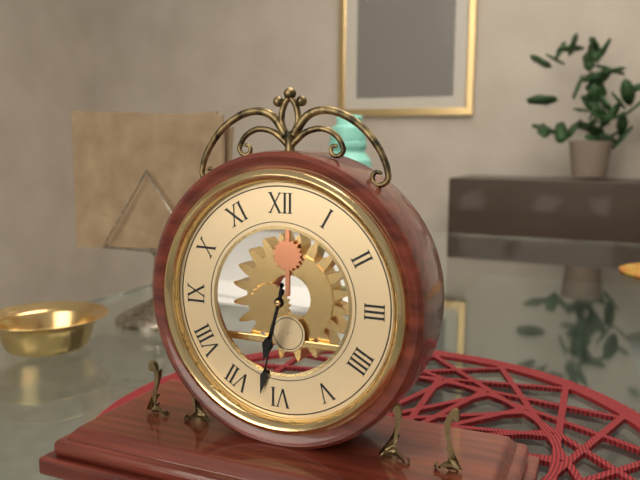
6:32
